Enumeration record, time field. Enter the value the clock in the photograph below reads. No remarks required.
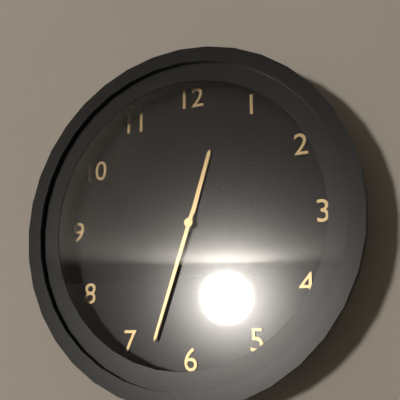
12:33
